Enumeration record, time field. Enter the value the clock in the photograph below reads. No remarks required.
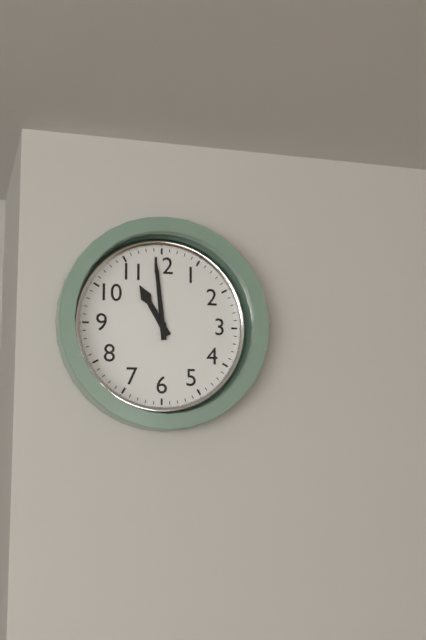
10:59
